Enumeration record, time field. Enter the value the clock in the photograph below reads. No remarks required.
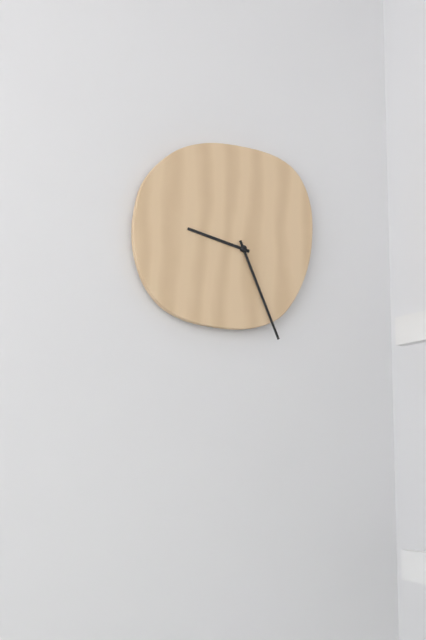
9:26
